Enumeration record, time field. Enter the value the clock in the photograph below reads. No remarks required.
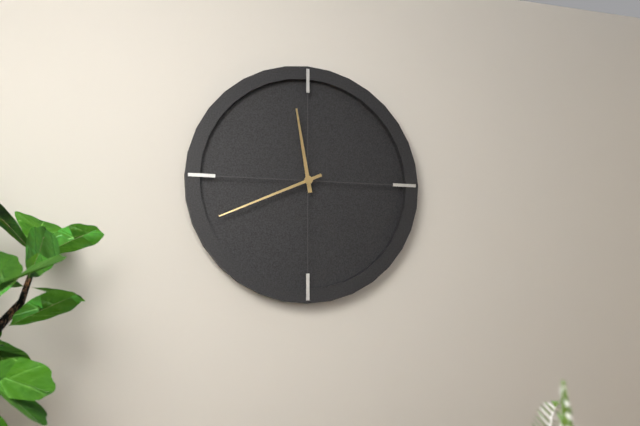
11:41
